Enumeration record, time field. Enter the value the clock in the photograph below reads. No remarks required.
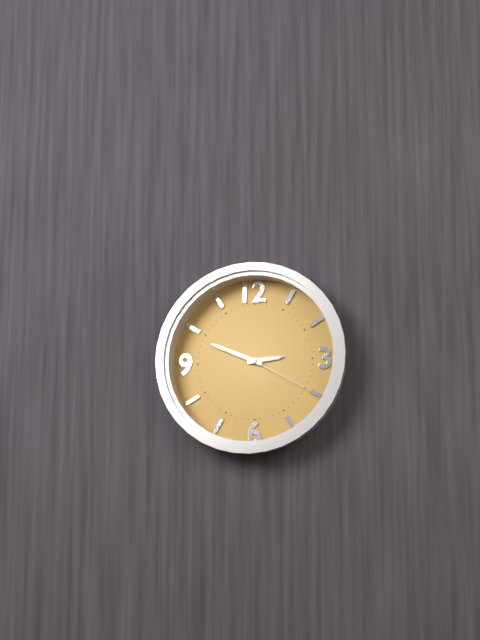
2:49:20
